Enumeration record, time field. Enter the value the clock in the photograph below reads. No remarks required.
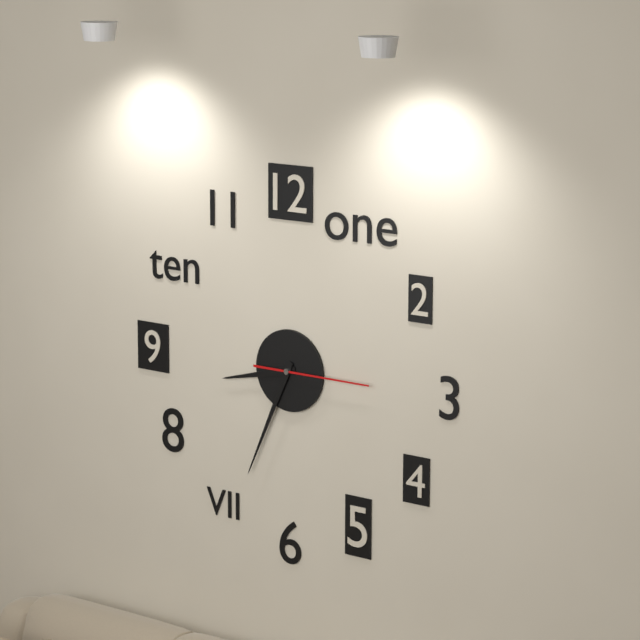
8:34:15
